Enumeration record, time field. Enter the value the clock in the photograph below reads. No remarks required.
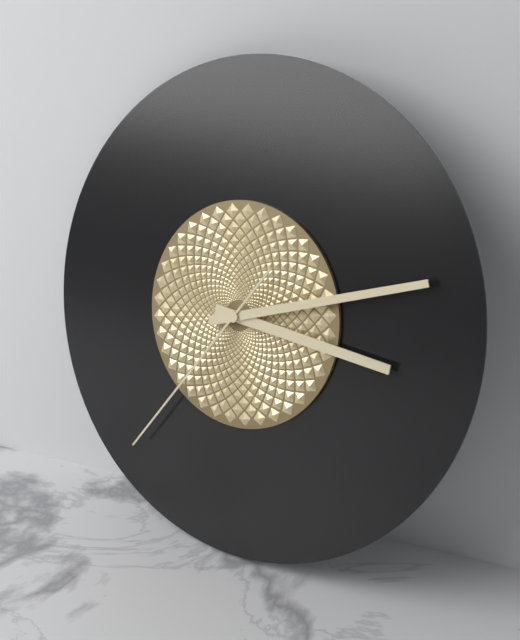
3:12:36
